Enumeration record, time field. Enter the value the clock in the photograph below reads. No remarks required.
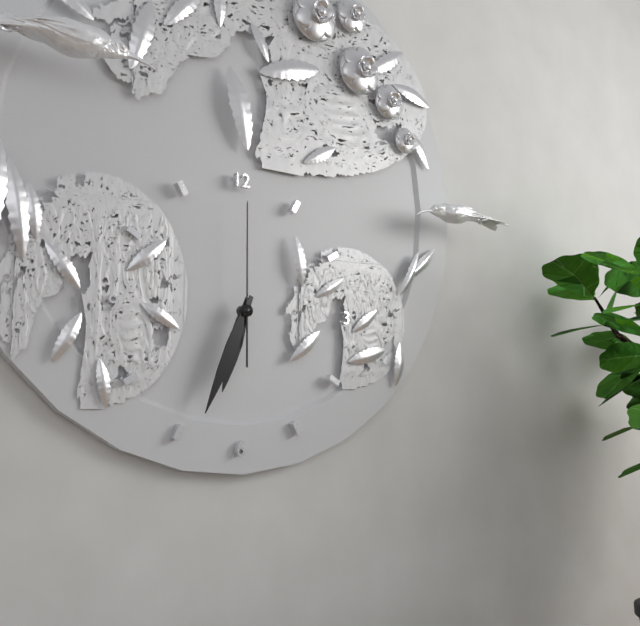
6:34:00
